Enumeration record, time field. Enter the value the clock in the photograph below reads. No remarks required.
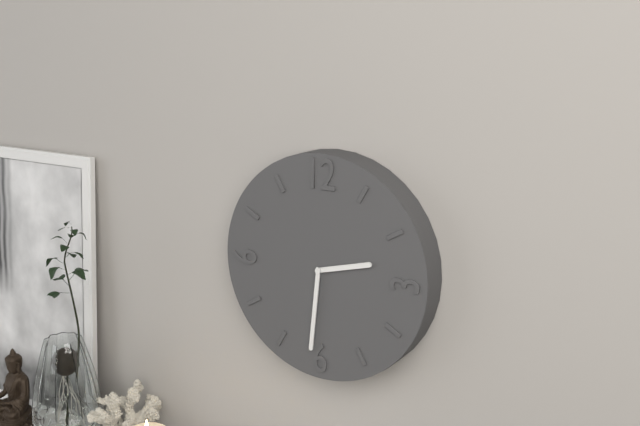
2:31
